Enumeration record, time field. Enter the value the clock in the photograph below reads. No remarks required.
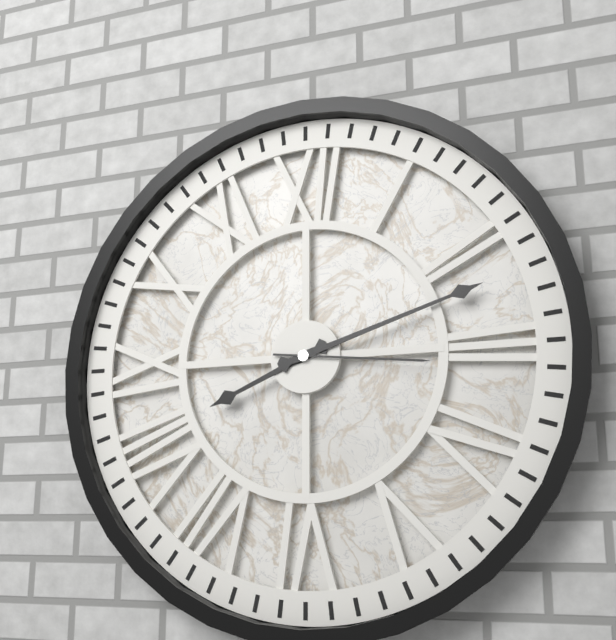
8:12:16
